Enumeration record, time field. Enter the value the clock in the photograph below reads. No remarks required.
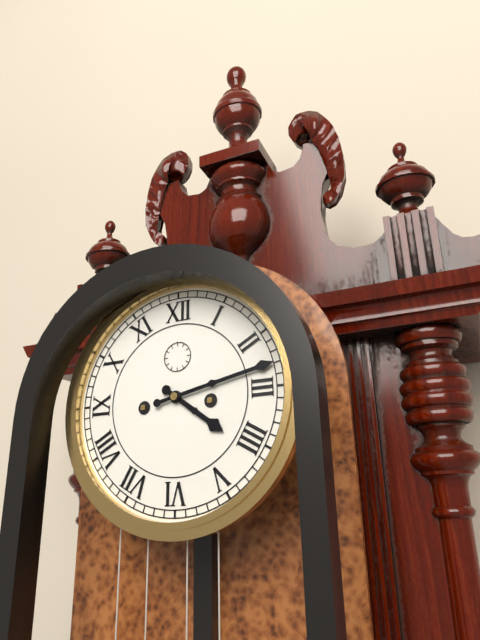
4:13
